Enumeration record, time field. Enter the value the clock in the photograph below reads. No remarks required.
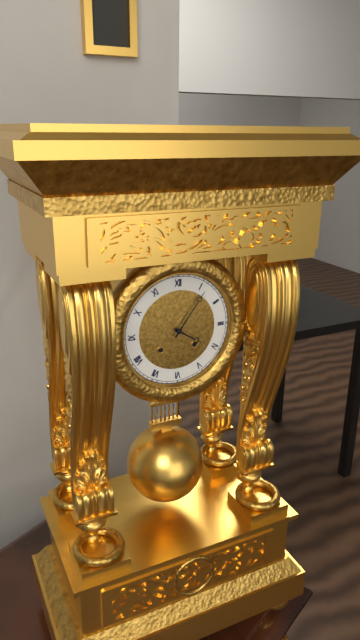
4:06
